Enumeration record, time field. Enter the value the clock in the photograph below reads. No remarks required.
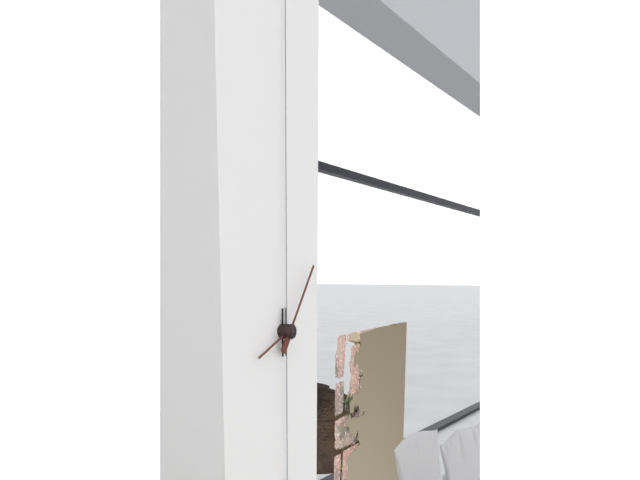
8:05
